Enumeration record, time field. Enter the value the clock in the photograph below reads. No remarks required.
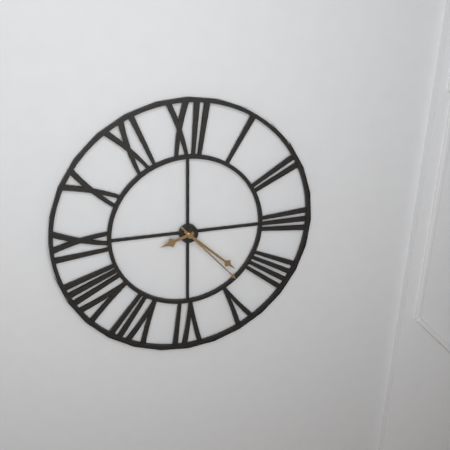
8:22:23
